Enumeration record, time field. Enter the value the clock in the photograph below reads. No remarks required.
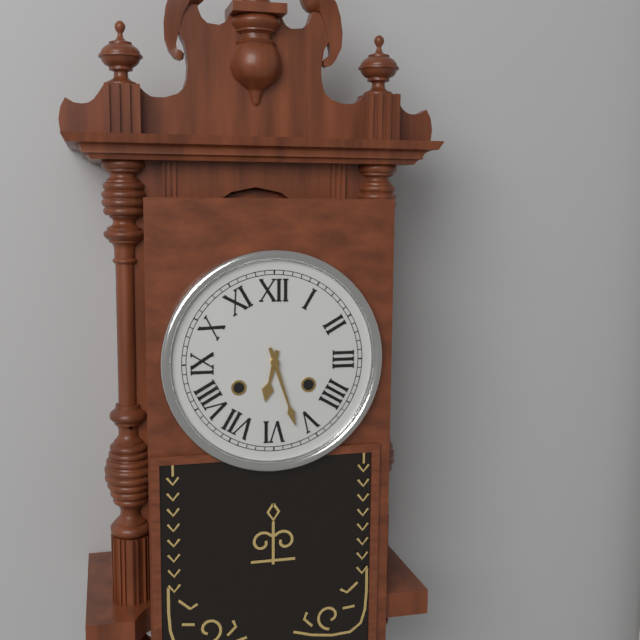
6:27
